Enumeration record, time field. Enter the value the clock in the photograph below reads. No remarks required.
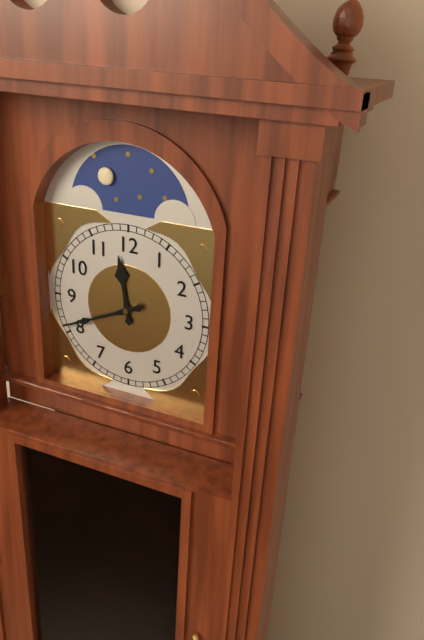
11:41
